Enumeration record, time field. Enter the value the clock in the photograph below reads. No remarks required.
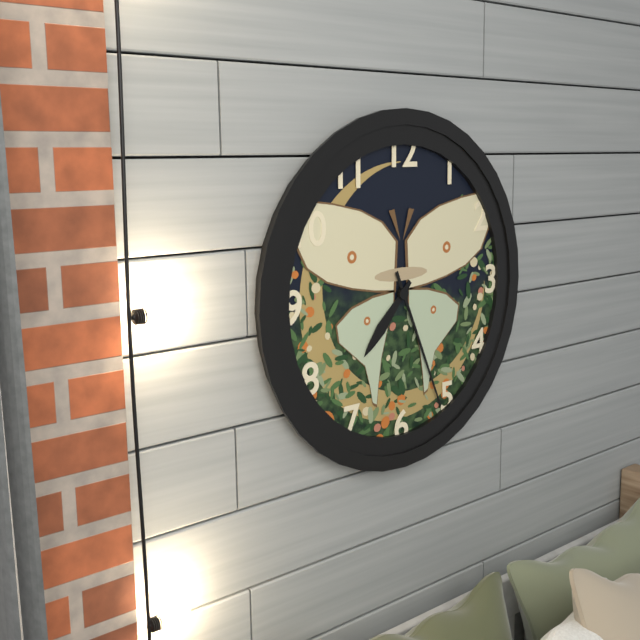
7:26
